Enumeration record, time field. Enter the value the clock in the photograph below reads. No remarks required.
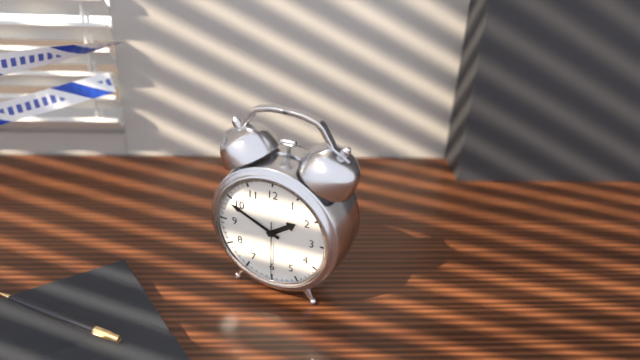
1:49:30
